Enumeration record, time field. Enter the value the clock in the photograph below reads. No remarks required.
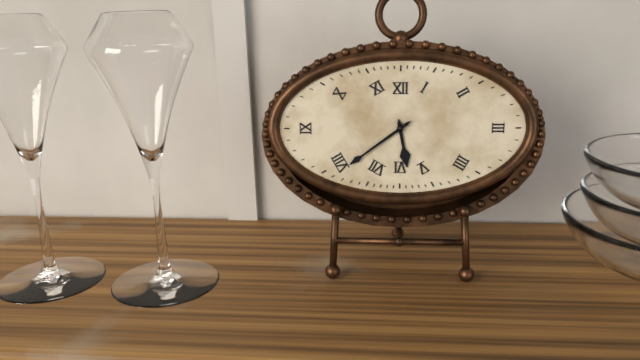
5:39
